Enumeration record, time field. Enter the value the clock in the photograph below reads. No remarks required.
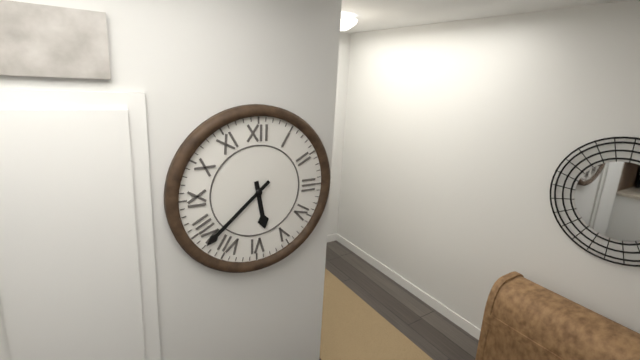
5:38
